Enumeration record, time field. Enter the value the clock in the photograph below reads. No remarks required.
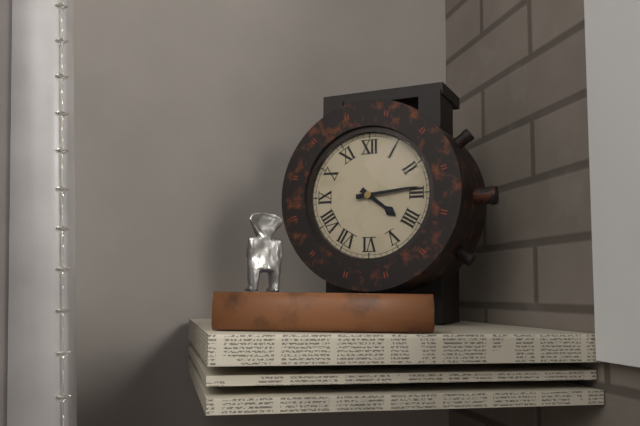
4:14
